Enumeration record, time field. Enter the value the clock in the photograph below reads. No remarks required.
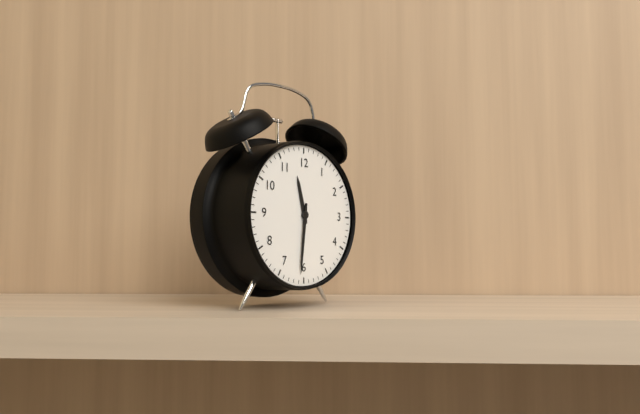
11:31
